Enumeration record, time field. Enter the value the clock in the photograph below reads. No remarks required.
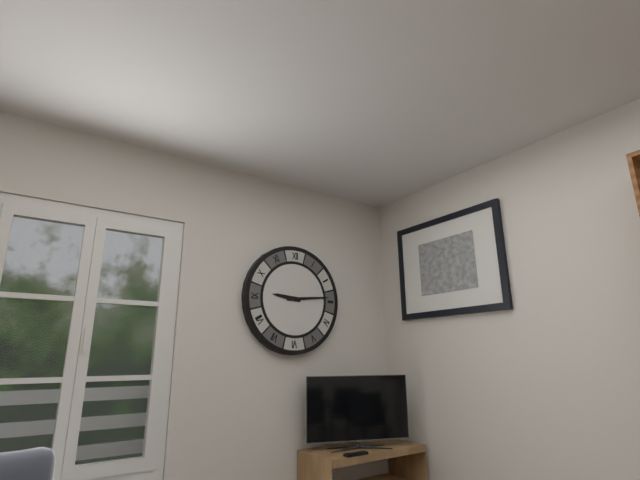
9:14
